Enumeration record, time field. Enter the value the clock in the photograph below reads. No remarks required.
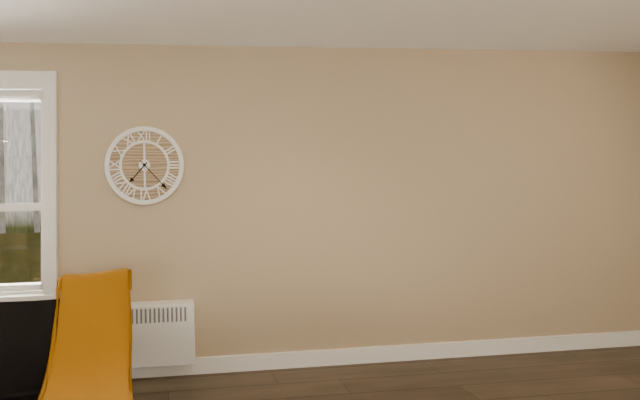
7:23
